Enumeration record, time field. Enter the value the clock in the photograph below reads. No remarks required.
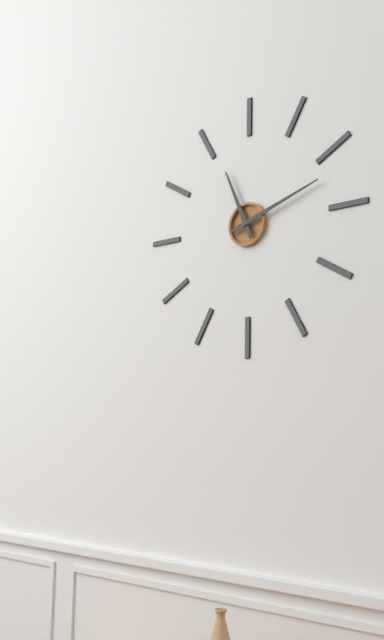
11:12
